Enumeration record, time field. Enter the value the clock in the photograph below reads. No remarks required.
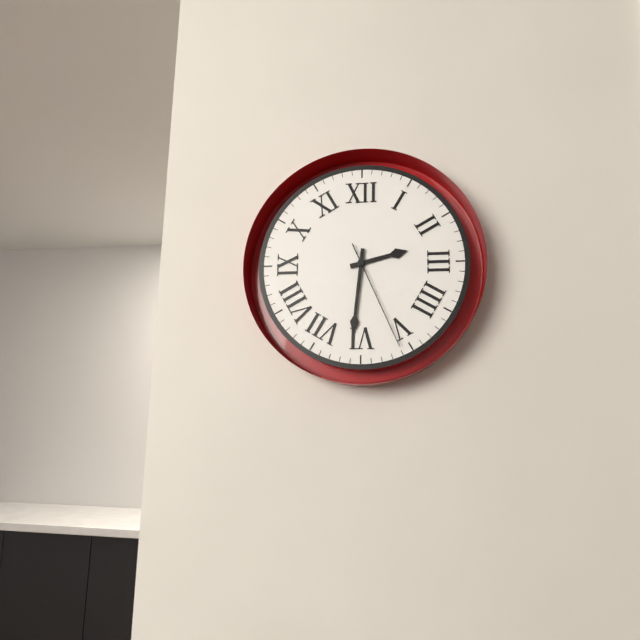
2:31:26
